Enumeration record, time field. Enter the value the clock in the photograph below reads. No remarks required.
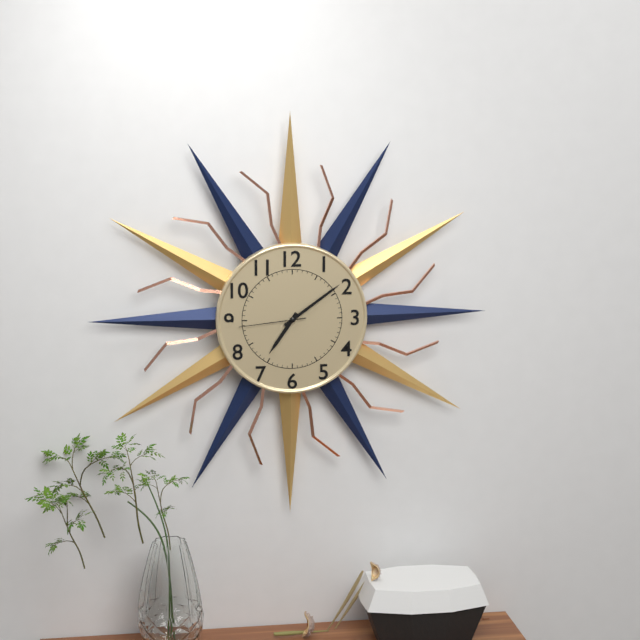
7:09:44
